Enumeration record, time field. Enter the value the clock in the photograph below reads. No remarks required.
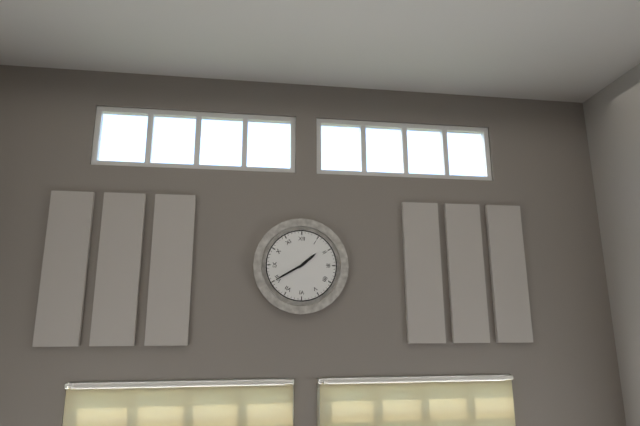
1:40
